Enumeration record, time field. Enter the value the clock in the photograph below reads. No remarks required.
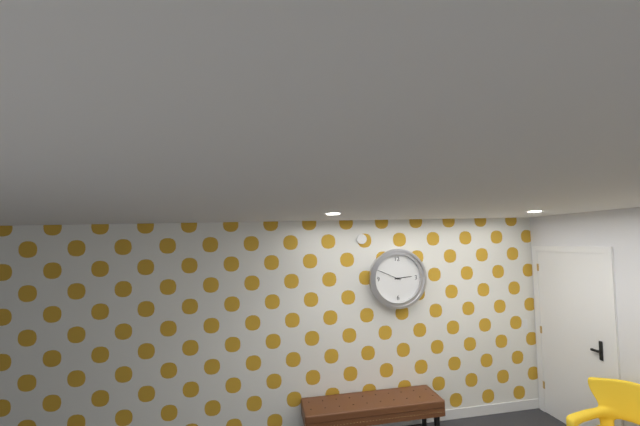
2:49
